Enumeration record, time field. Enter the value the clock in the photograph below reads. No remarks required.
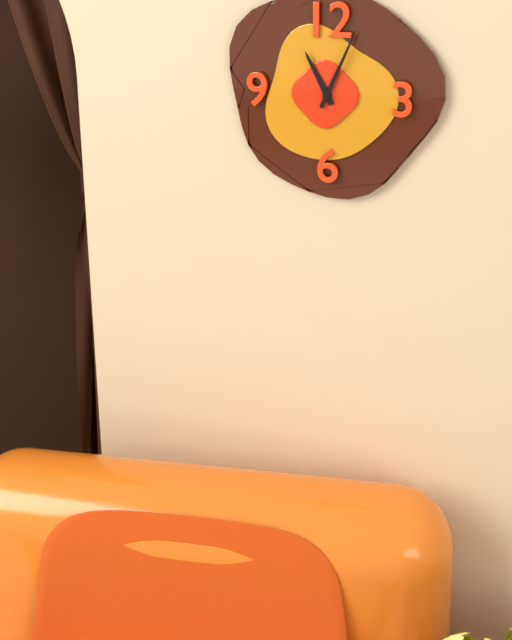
11:04
